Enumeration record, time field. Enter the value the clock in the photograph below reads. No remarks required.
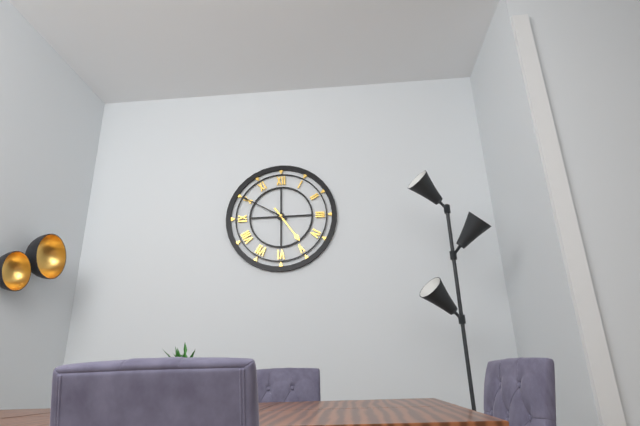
4:50
